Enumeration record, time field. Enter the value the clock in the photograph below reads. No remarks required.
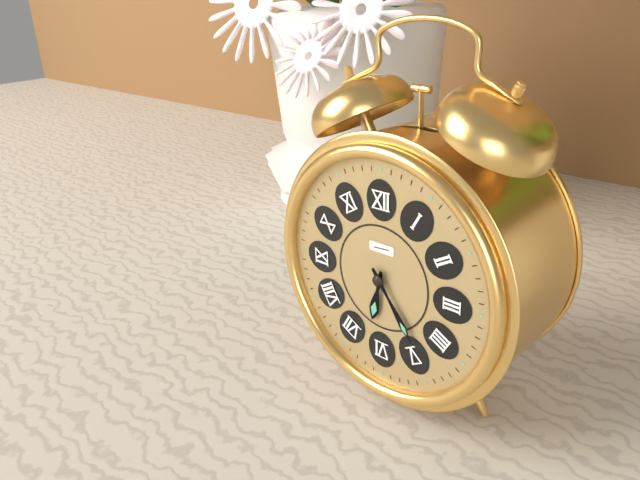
6:24
